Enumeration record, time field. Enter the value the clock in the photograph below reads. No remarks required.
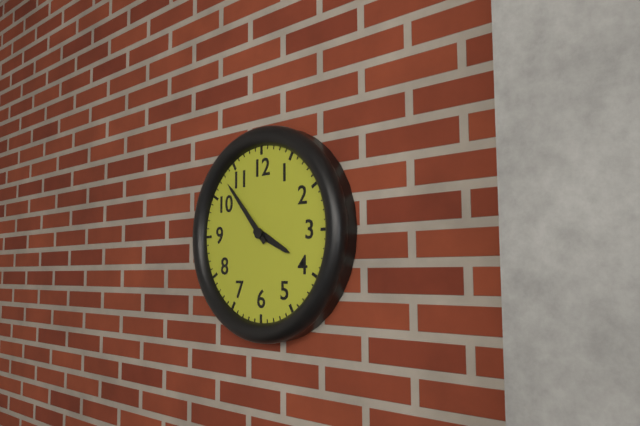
3:53
